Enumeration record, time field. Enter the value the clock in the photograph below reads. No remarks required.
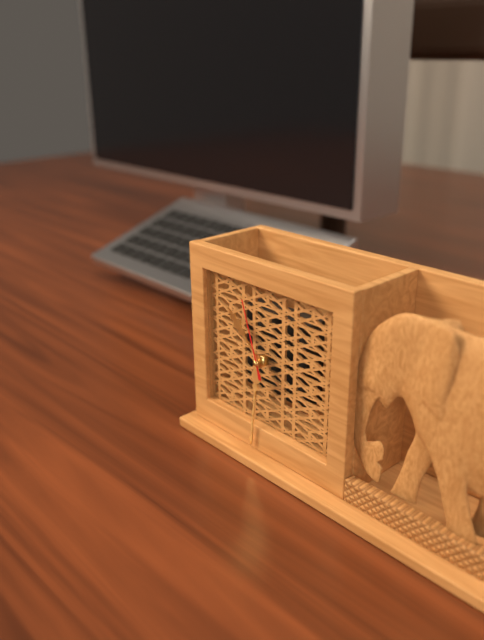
10:31:57
